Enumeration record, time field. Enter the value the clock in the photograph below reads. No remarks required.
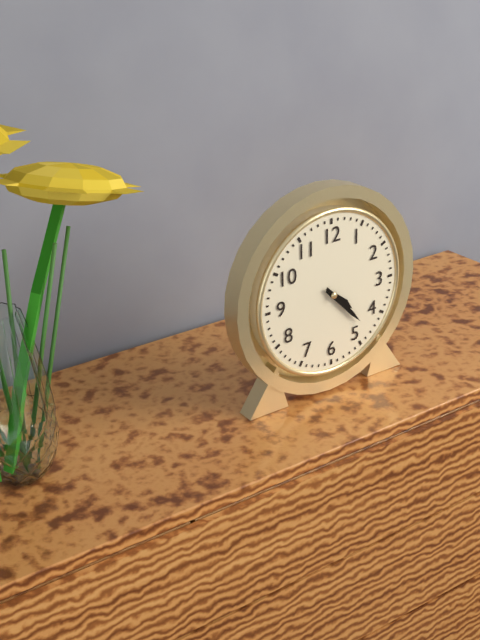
4:23
